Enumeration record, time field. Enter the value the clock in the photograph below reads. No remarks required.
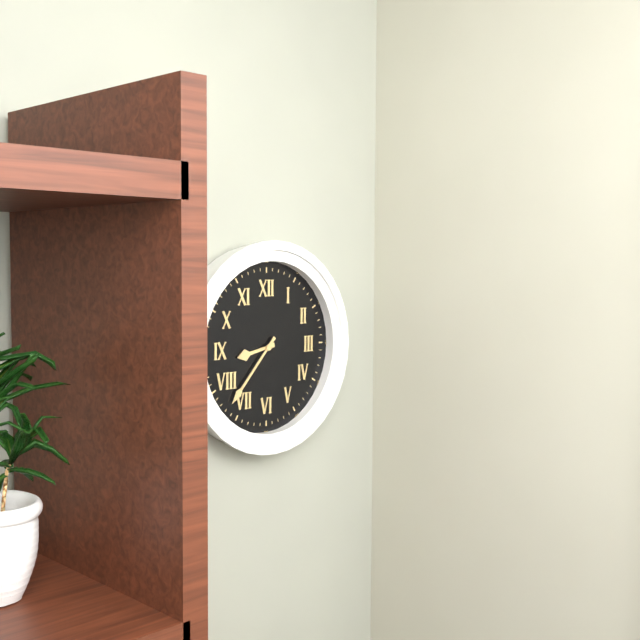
8:37
